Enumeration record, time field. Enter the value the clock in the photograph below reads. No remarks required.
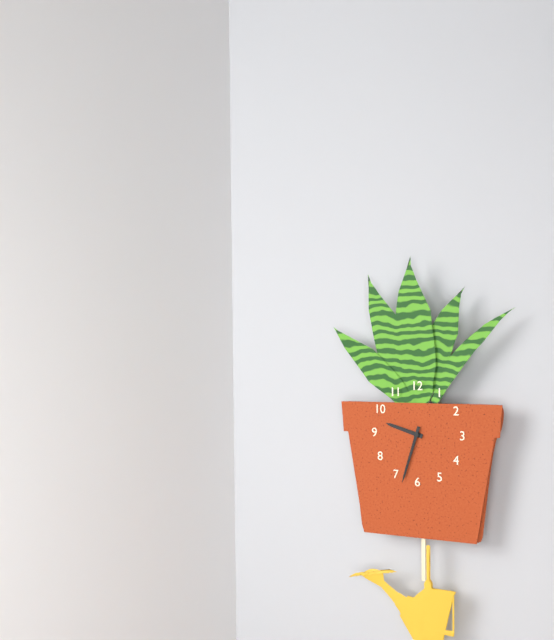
9:33
